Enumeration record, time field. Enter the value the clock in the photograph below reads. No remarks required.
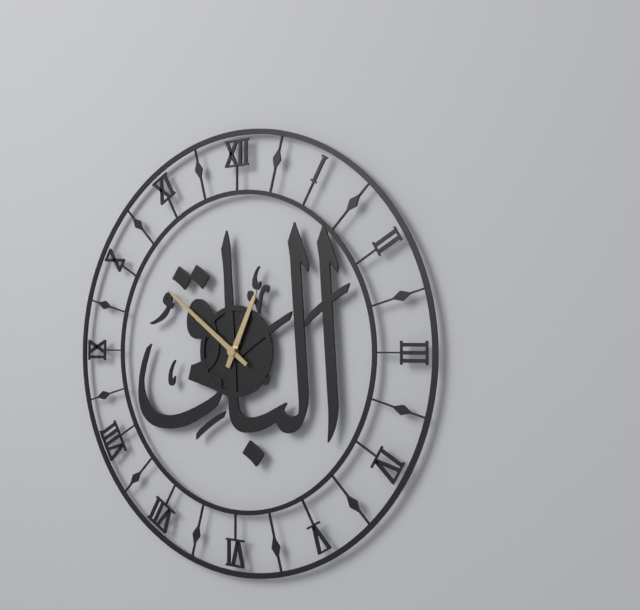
12:51
